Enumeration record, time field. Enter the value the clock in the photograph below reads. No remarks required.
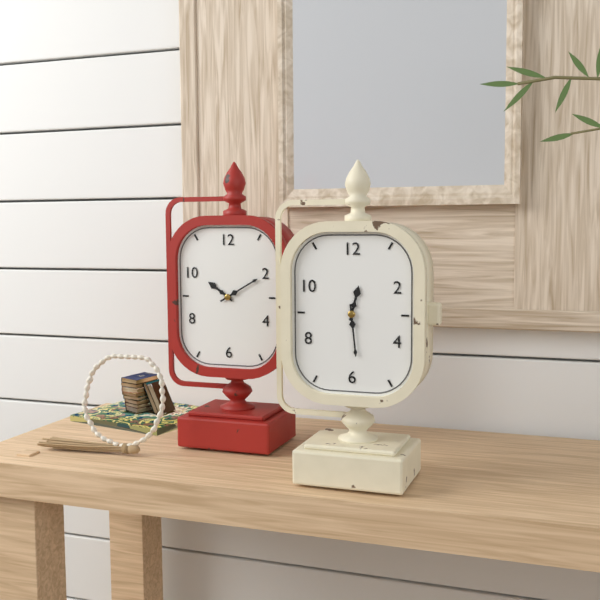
12:29
